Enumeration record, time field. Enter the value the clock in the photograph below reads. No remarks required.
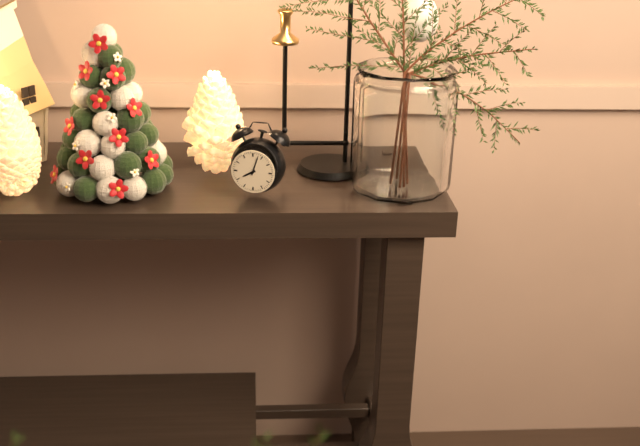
8:03
